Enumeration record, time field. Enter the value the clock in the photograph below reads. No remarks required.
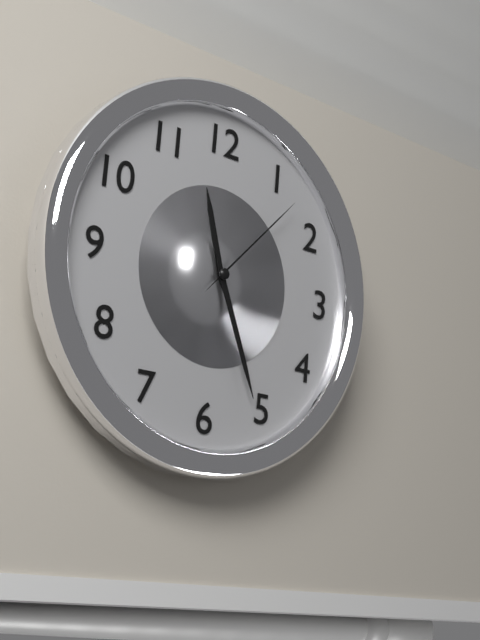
11:26:07
